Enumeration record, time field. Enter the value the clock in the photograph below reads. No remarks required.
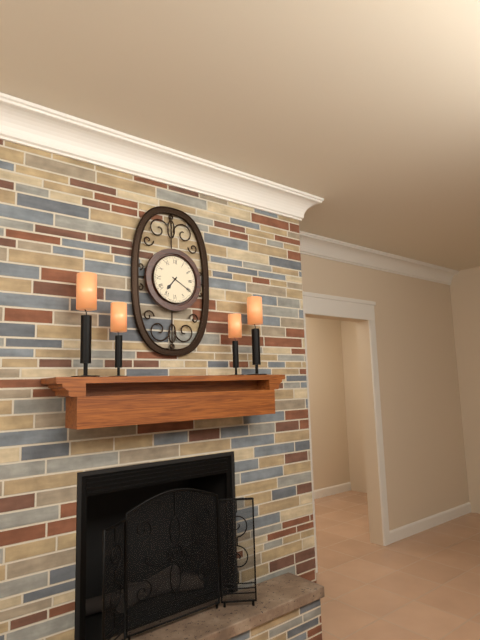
7:20
